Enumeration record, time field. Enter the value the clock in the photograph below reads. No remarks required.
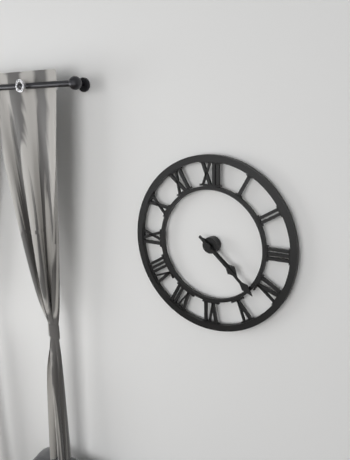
4:22
